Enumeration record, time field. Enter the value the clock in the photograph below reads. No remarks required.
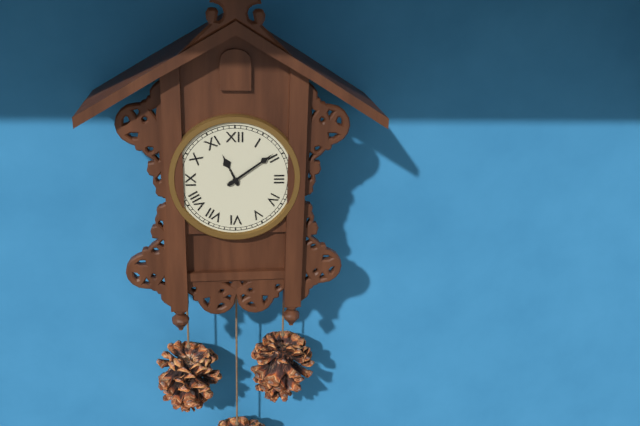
11:09
